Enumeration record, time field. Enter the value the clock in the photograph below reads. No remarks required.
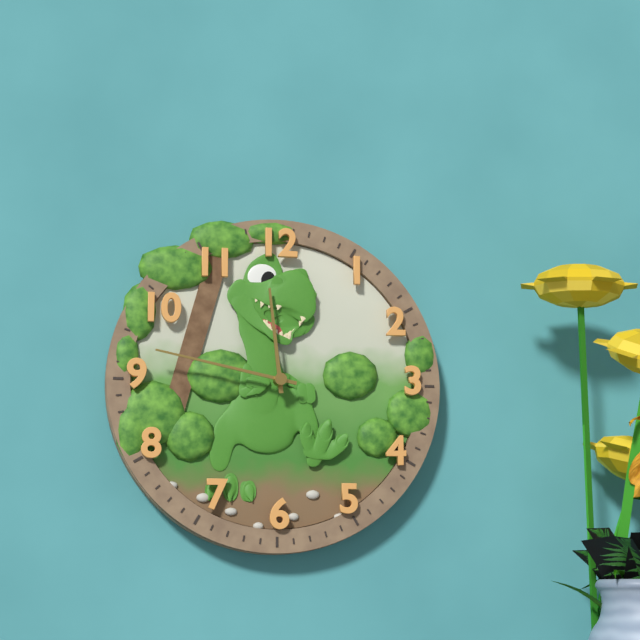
11:47
